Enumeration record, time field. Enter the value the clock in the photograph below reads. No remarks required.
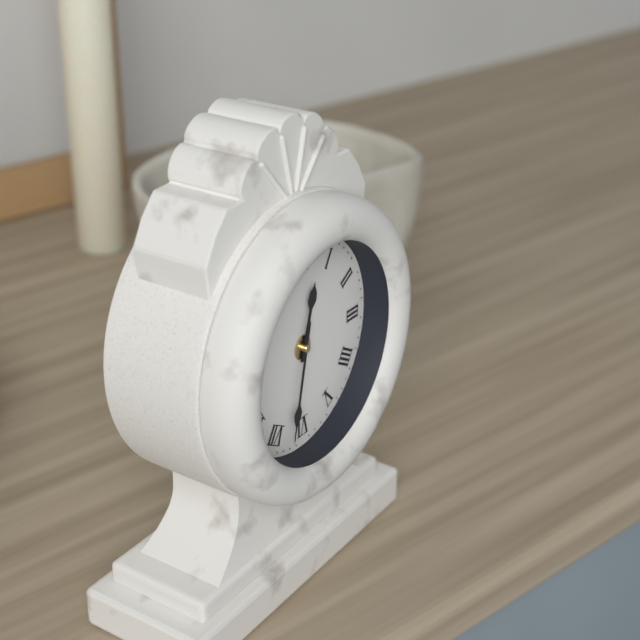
12:32
